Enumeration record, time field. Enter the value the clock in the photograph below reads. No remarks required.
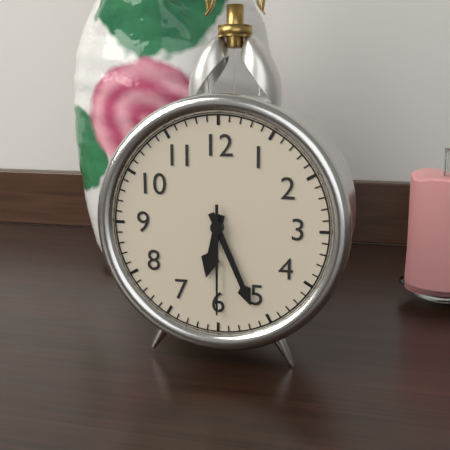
6:26:30
